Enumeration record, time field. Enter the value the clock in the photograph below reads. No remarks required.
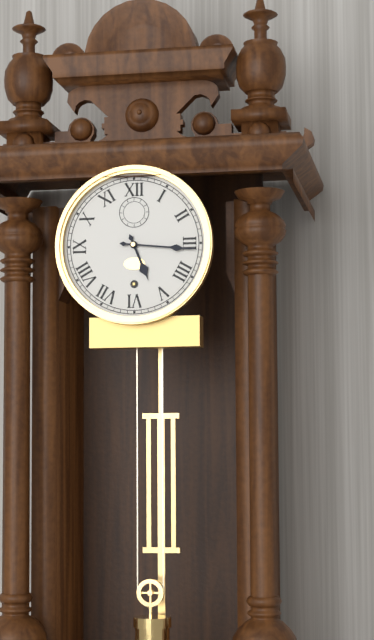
5:16
